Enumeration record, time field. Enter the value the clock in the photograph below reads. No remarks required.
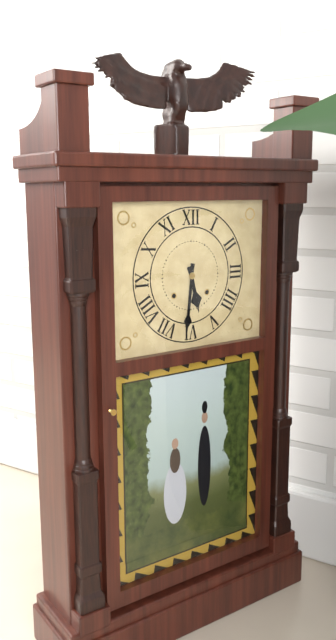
5:31
